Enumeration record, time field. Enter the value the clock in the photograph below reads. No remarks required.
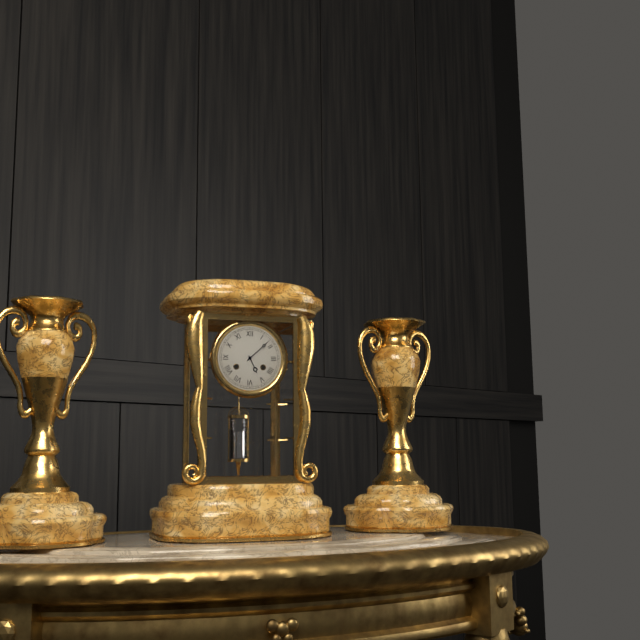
5:08
